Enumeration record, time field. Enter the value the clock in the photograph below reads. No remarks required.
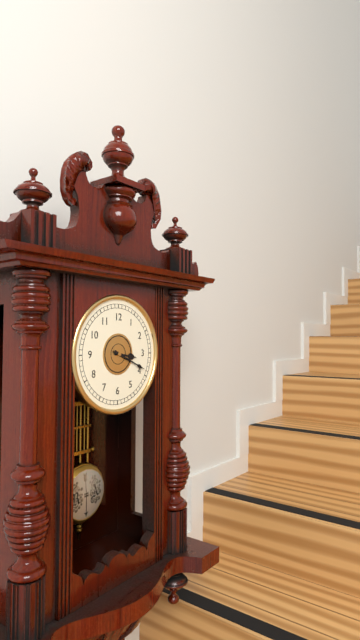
3:19
